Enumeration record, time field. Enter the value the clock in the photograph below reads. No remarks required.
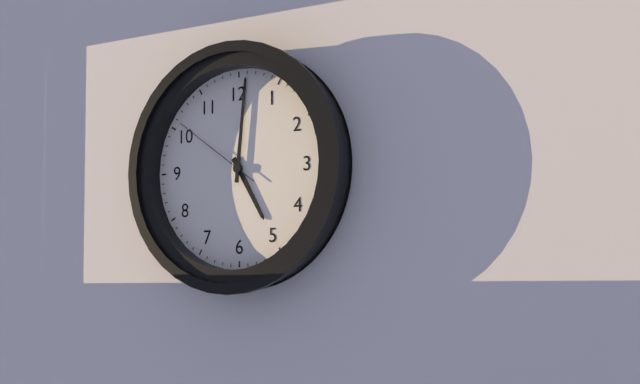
5:01:51
